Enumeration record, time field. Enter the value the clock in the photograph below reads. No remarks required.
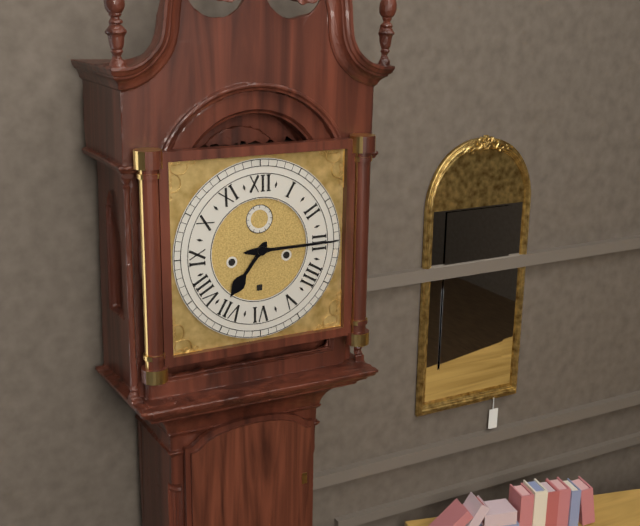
7:15
